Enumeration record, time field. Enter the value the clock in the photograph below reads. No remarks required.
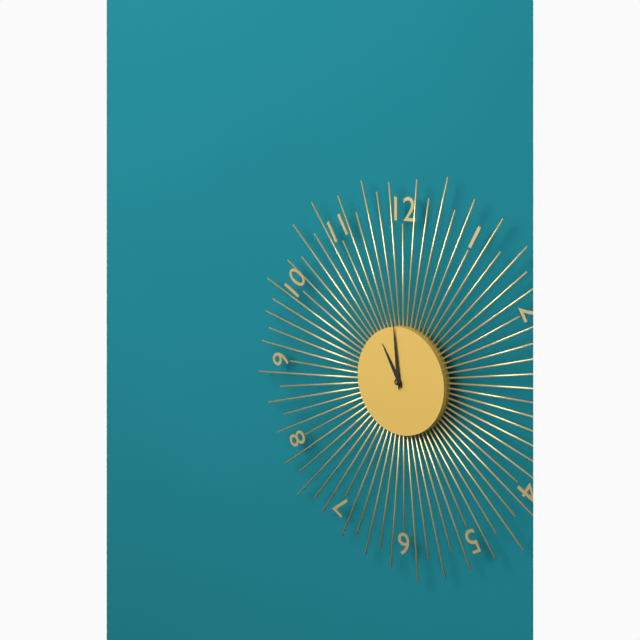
10:59
